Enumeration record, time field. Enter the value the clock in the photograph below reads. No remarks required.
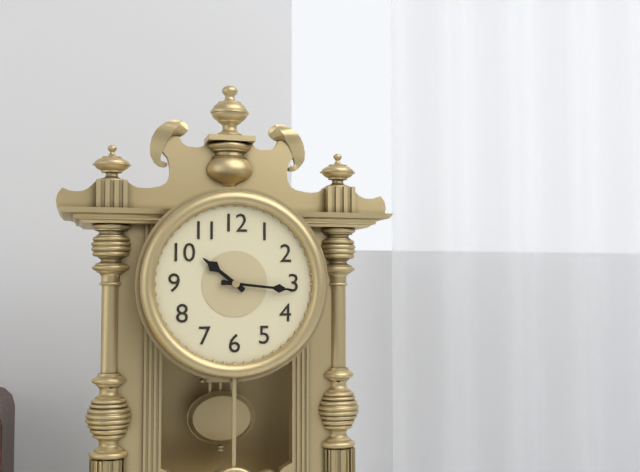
10:16
